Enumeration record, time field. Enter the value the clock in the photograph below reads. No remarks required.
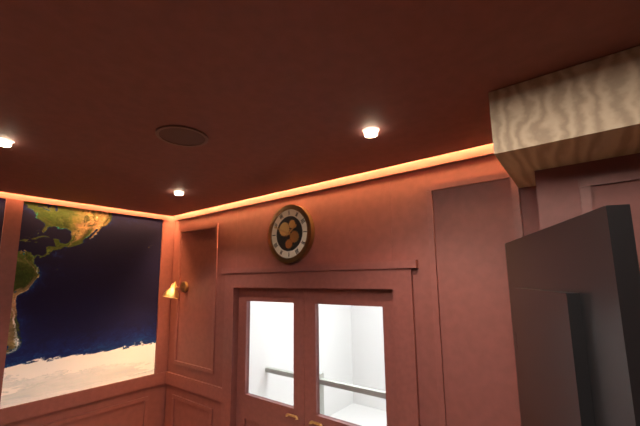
1:49
